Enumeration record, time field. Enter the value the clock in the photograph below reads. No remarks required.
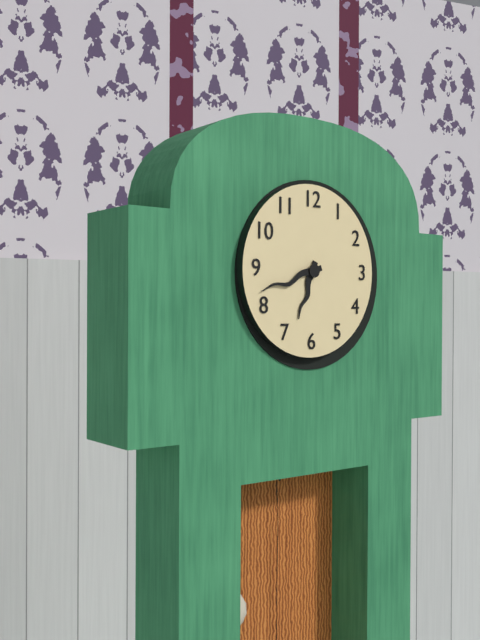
6:42
